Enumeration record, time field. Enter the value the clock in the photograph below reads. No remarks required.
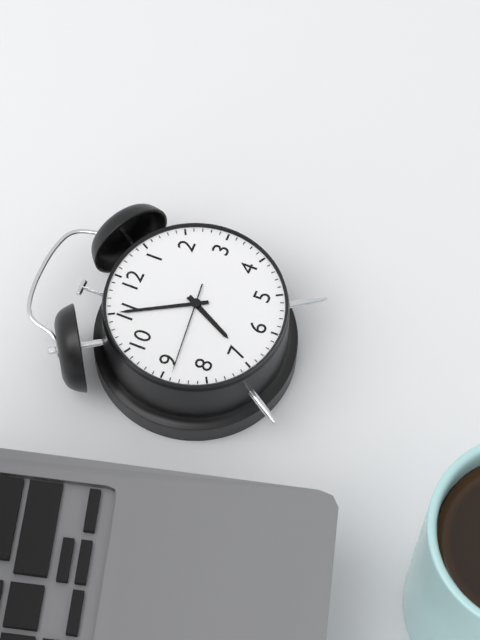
6:55:44
